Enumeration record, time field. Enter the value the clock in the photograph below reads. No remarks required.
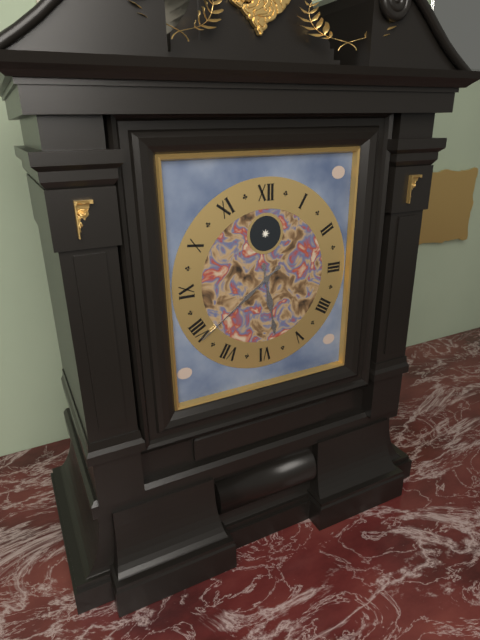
5:39
